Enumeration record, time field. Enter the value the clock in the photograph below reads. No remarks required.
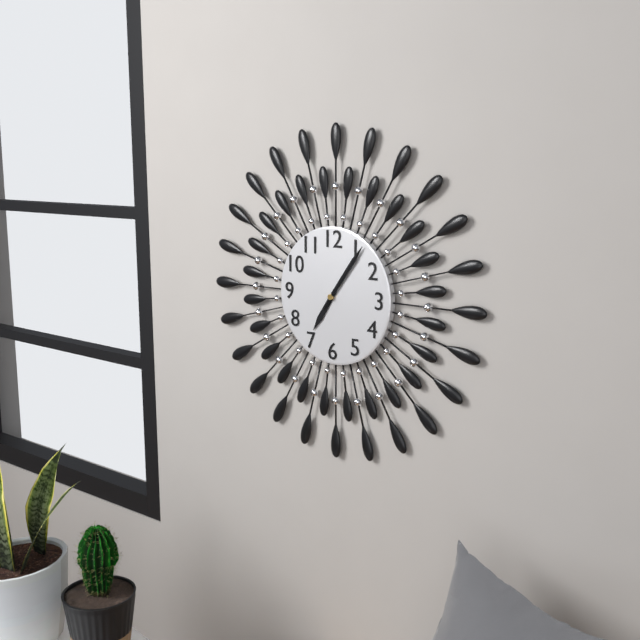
7:06:06
